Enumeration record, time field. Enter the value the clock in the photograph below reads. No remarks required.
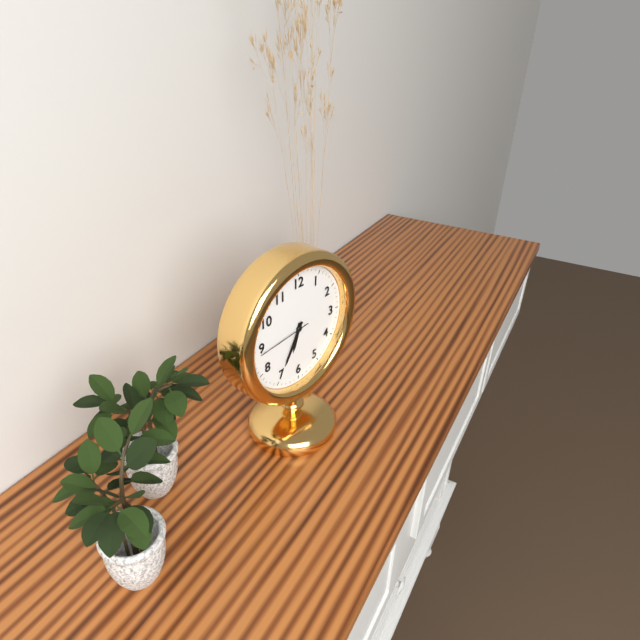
6:35:44
